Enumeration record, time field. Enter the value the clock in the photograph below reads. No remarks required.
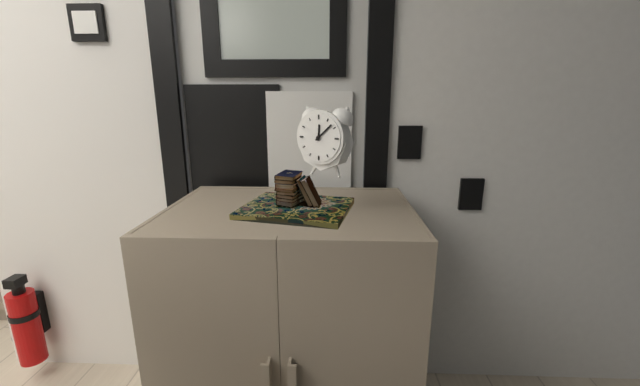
12:08
